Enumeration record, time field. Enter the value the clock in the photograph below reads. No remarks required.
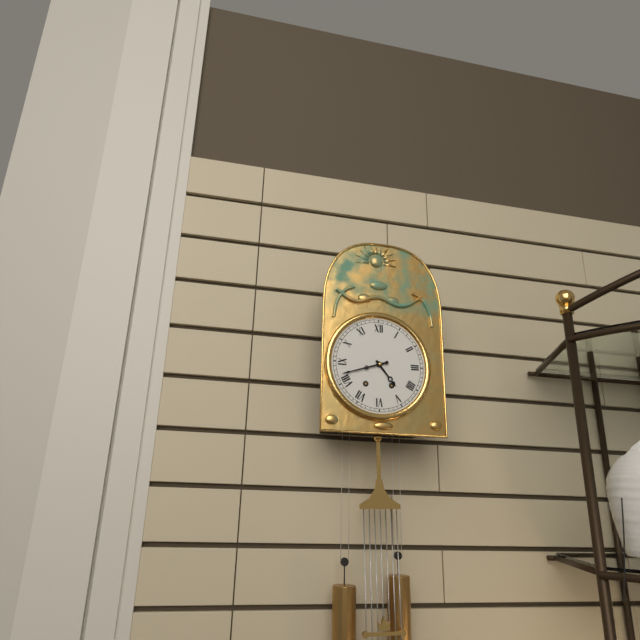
4:42
